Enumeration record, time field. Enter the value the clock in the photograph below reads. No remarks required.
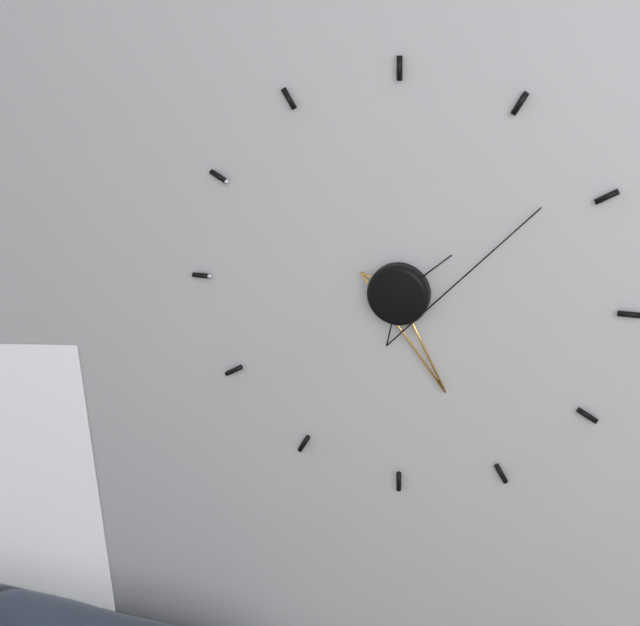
5:09
